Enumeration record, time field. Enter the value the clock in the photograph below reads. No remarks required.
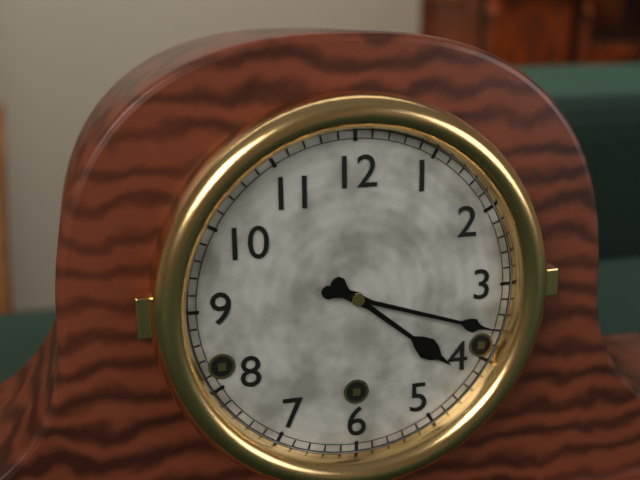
4:18
